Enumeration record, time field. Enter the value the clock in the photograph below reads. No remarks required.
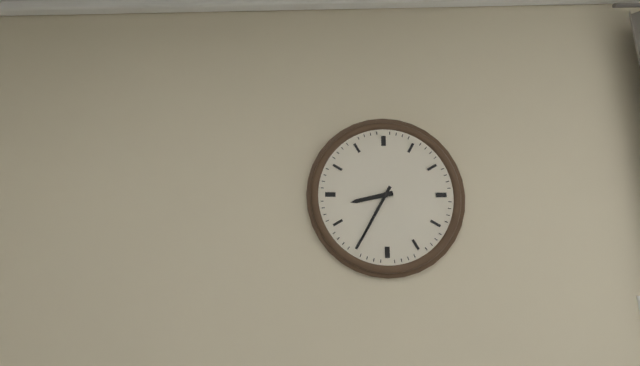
8:35
